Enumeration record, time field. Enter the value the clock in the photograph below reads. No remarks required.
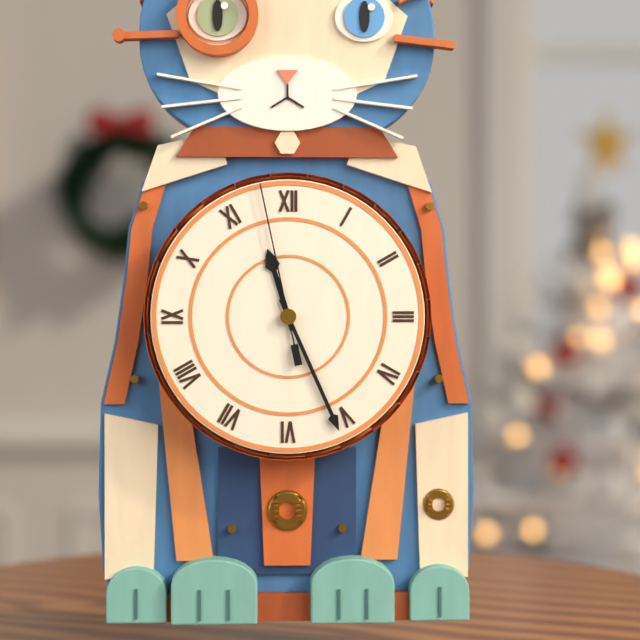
11:26:58
